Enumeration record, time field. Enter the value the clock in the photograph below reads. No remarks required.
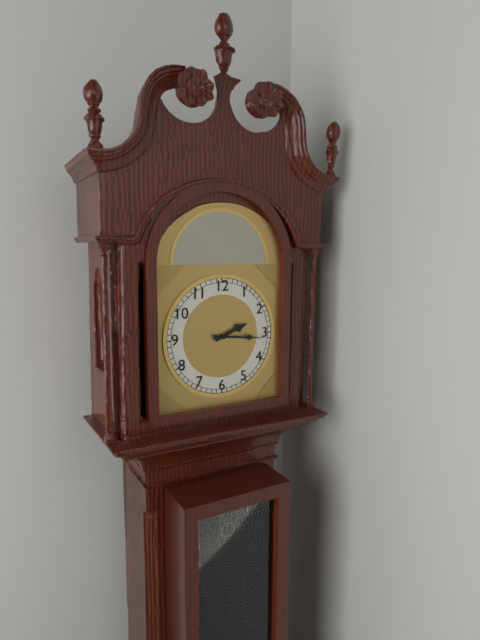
2:16
